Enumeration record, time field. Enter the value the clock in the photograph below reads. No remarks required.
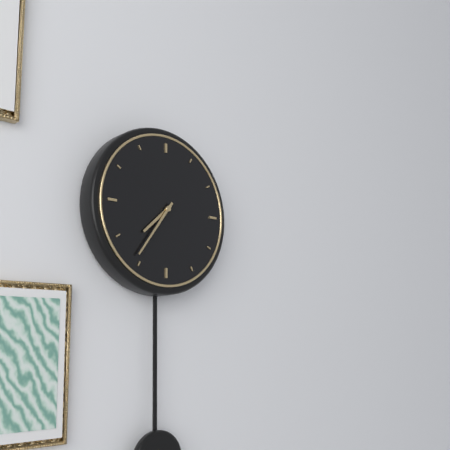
7:36
